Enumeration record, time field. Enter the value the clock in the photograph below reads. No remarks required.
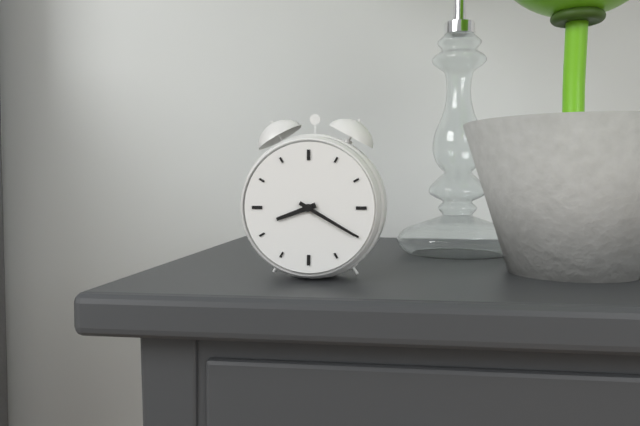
8:20
